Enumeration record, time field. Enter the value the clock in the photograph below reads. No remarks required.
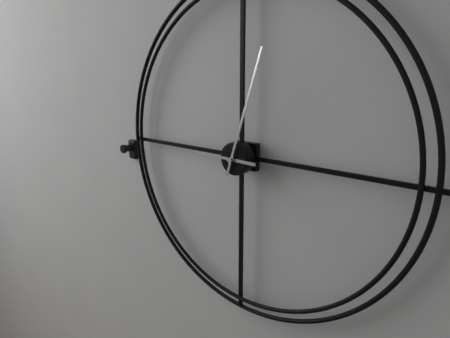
9:03
